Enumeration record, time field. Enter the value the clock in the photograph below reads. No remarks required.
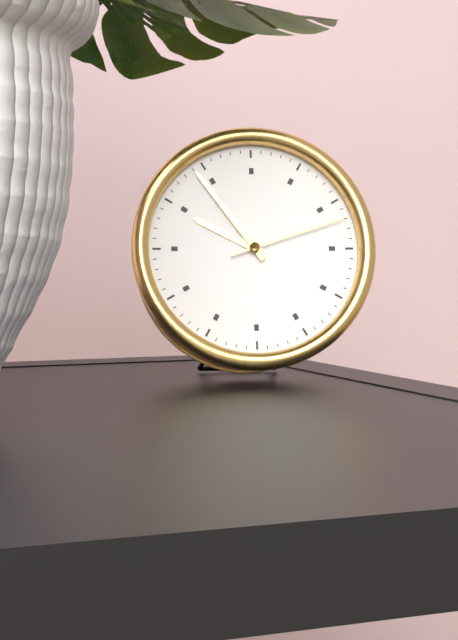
9:54:12
